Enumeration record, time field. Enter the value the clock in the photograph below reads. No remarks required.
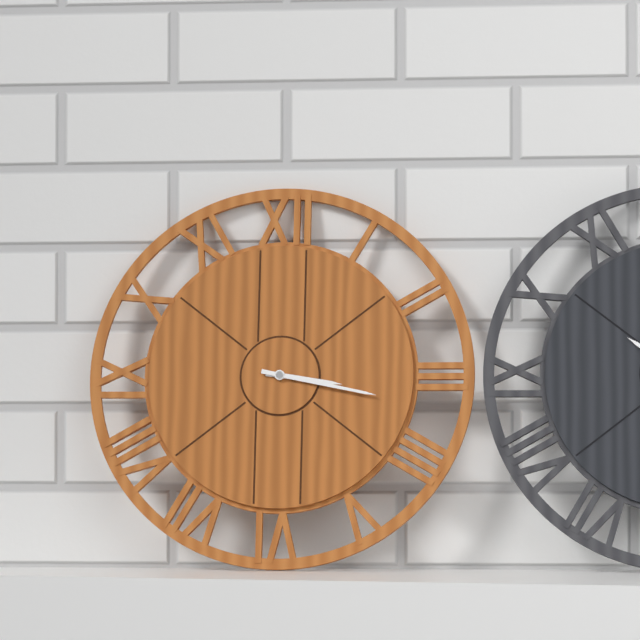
3:17
